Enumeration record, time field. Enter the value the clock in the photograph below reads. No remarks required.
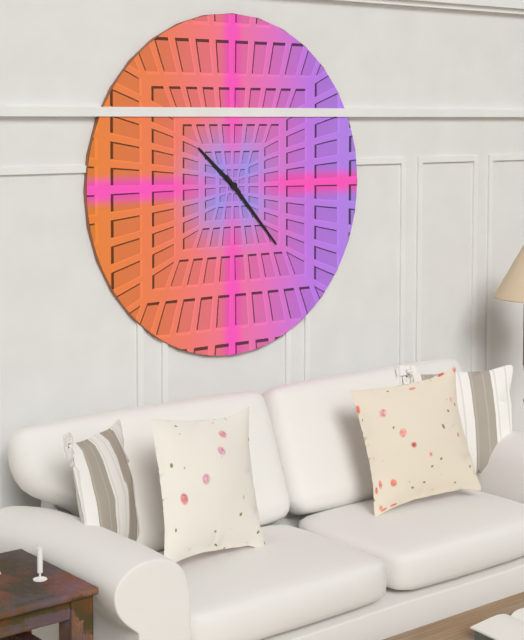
10:23
